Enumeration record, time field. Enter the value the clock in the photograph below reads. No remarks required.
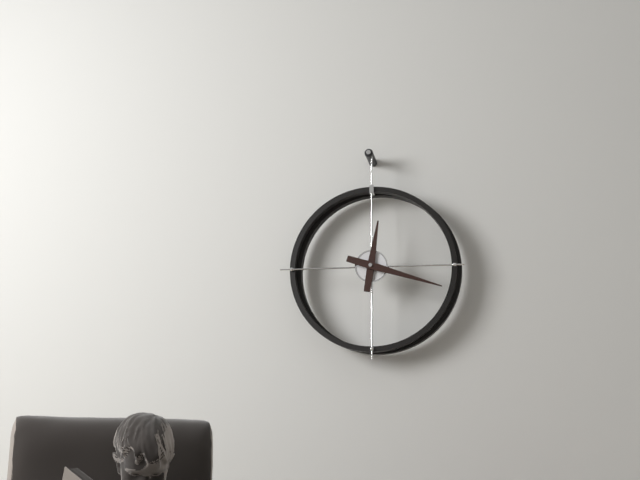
12:18
